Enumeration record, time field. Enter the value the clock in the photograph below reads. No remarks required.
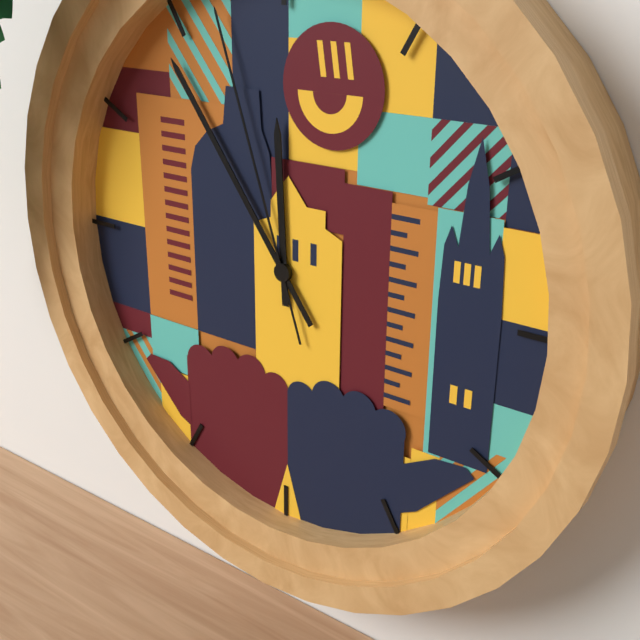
11:54:57
